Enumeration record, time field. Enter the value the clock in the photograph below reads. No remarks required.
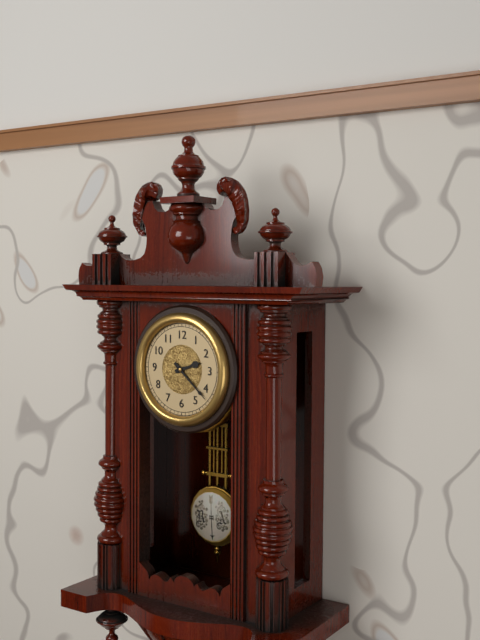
2:22
